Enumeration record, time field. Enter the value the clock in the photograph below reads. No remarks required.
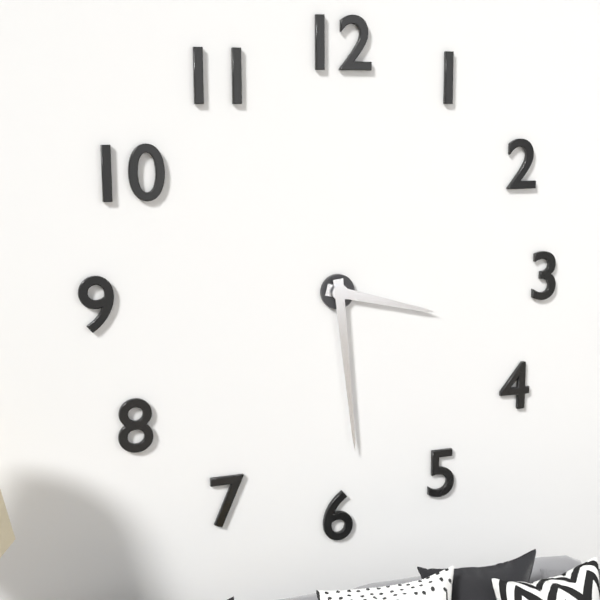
3:29
